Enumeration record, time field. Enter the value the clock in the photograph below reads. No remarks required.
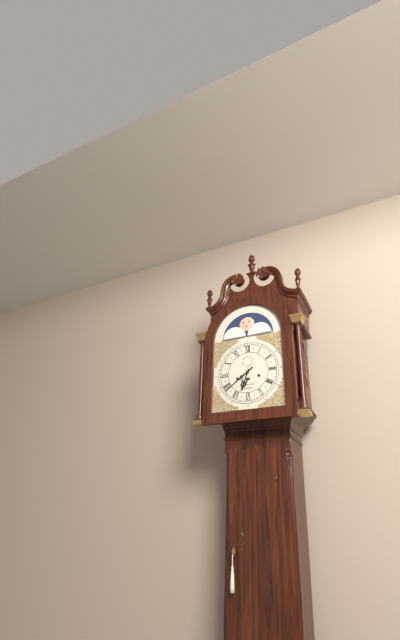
6:39
